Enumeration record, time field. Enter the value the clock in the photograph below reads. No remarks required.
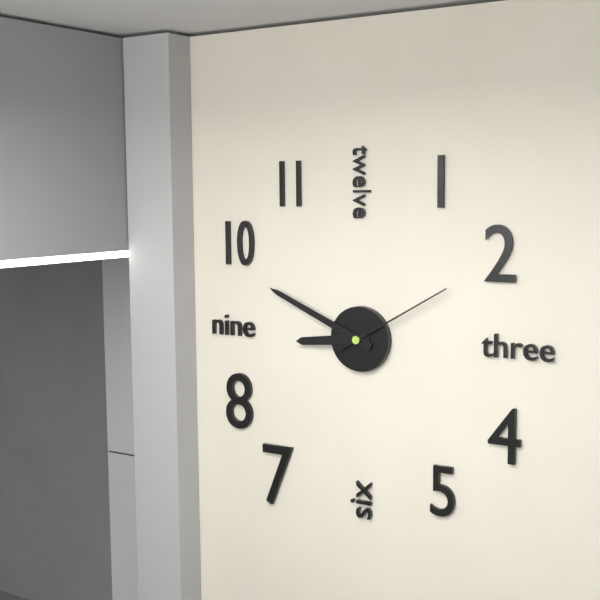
8:49:10
